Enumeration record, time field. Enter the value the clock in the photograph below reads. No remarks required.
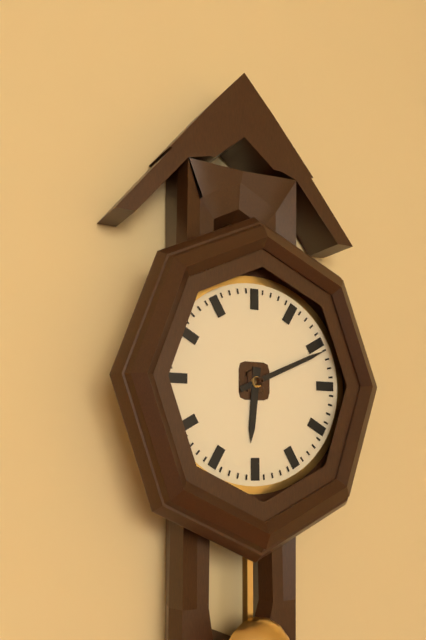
6:11
